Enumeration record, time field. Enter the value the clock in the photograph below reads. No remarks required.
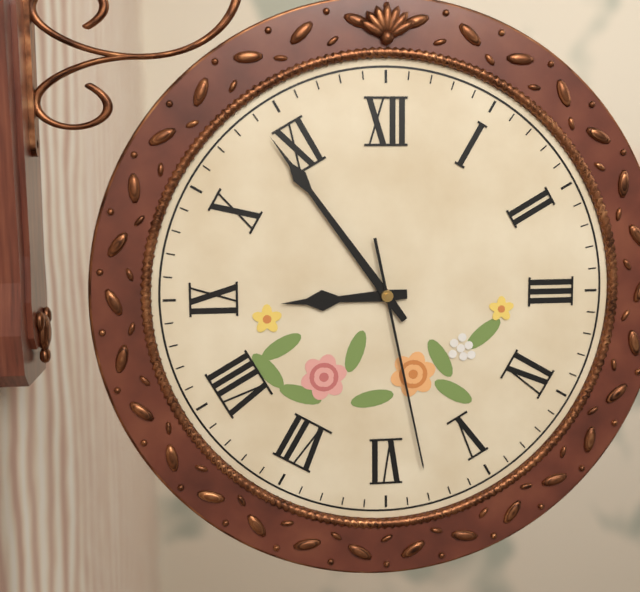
8:54:28
